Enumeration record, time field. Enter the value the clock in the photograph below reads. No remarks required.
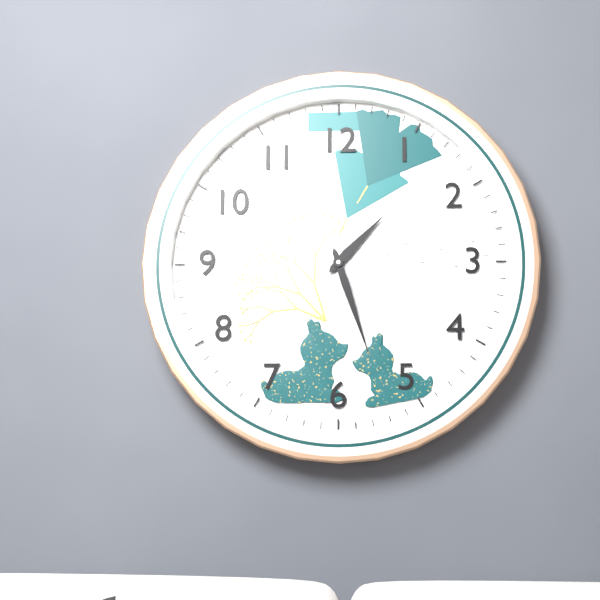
1:27
